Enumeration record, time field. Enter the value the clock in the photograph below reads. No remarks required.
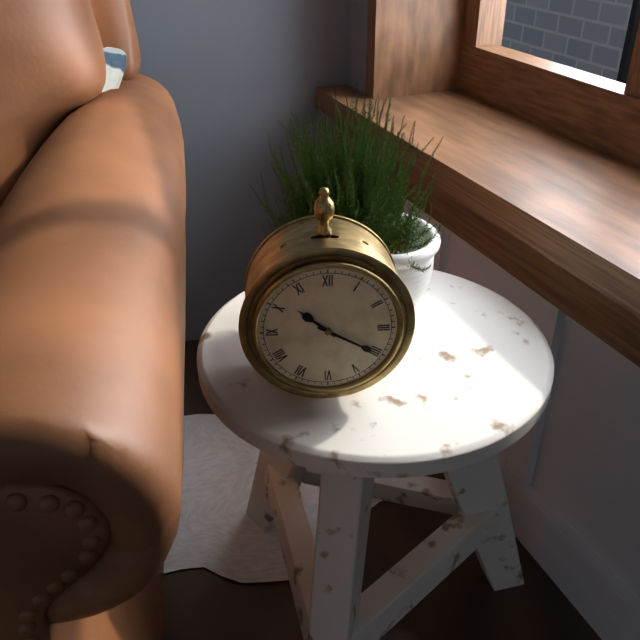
10:20
